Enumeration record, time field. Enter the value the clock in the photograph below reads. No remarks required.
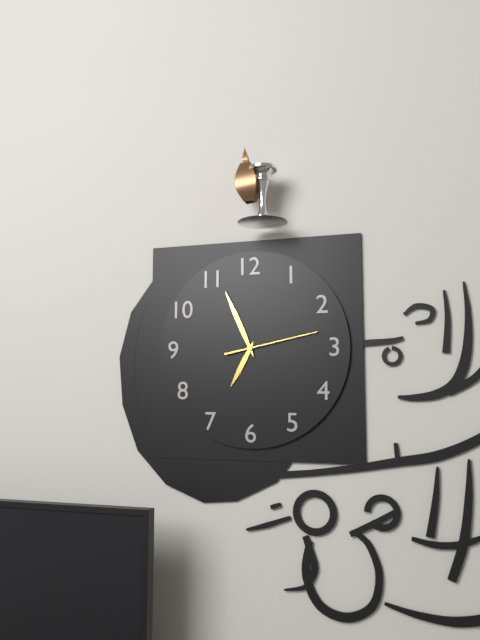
6:56:13
